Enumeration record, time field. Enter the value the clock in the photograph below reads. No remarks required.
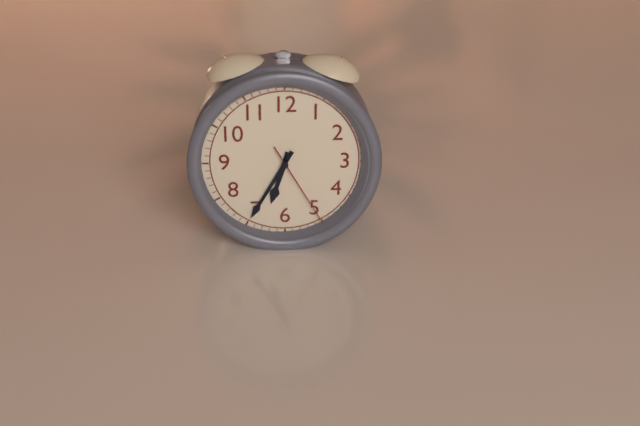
6:35:25
